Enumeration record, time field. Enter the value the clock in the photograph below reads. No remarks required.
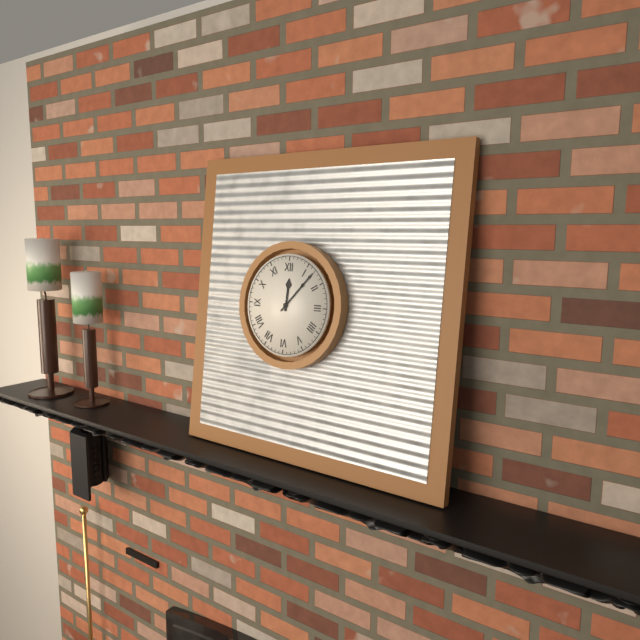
12:07
